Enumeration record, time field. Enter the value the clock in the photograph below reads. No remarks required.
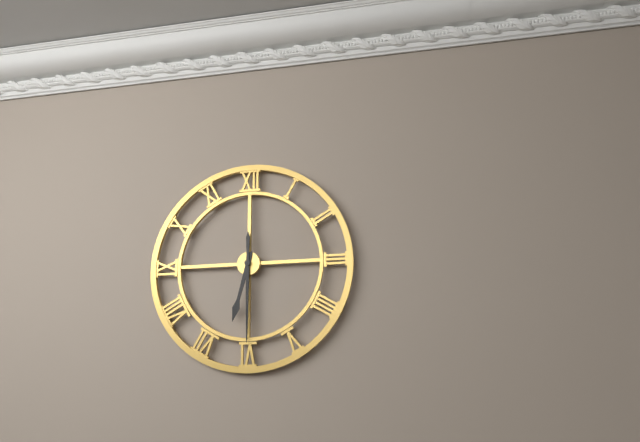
6:30
